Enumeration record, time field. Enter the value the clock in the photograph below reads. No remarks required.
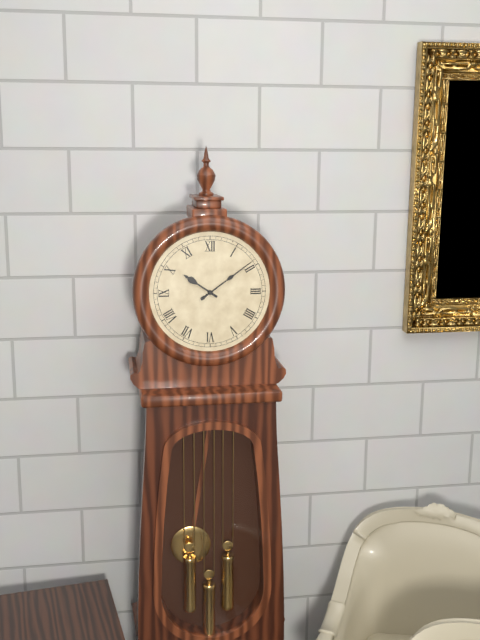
10:09
